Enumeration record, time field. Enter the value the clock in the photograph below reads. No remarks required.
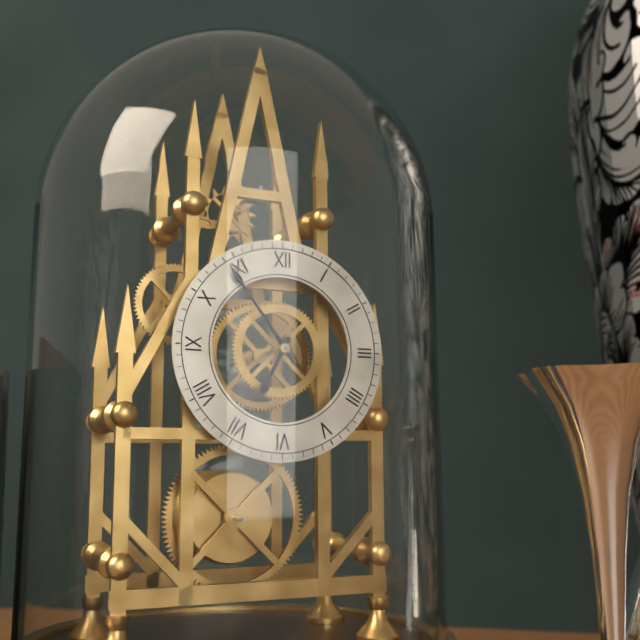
6:54
